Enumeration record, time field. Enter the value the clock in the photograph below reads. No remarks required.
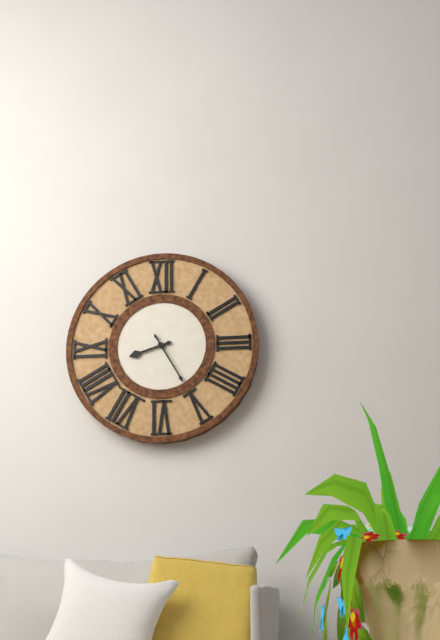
8:25
